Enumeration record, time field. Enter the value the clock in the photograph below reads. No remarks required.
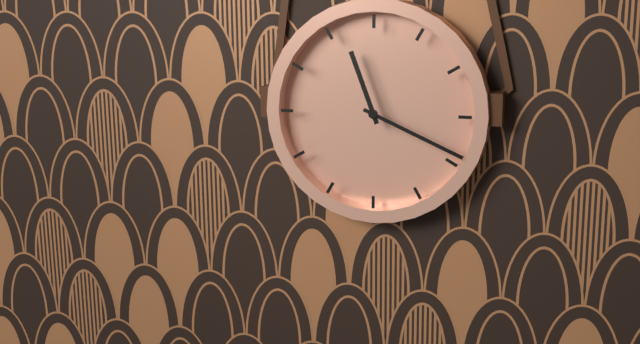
11:19
